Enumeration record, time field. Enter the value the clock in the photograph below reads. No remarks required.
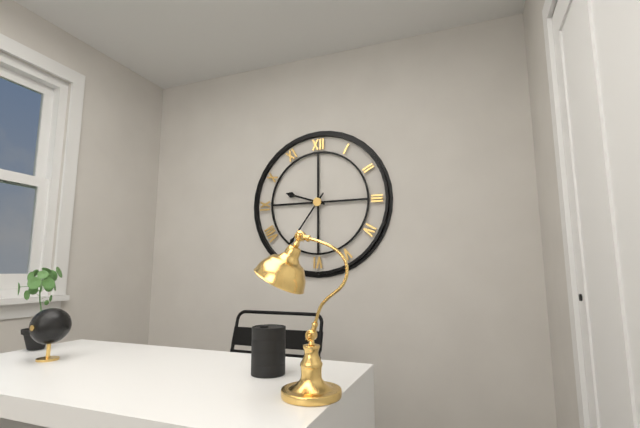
9:36
